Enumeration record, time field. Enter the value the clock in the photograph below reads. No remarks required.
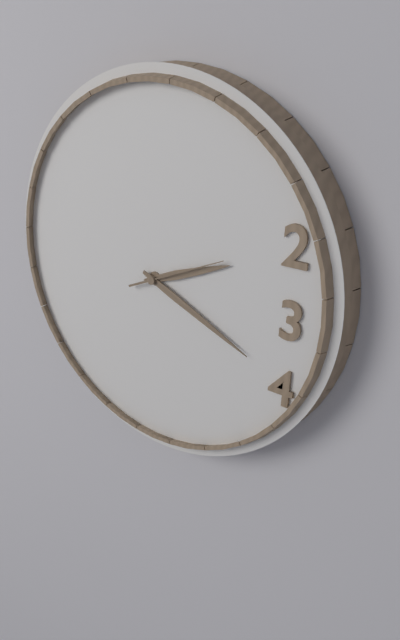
2:19:11
